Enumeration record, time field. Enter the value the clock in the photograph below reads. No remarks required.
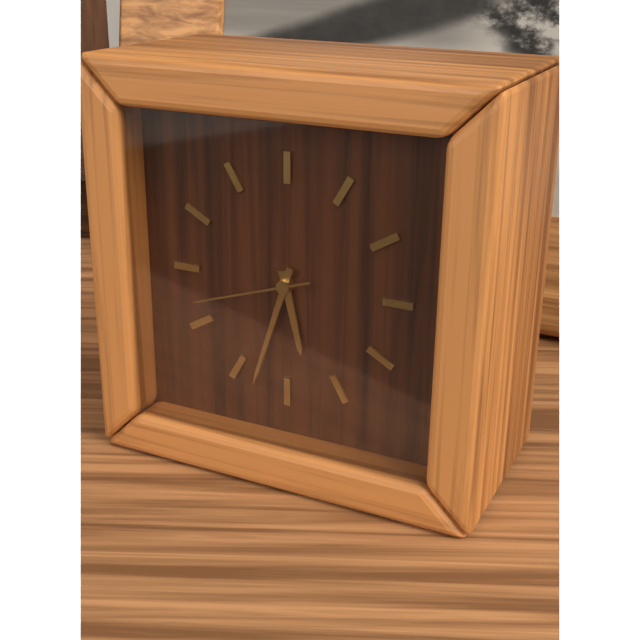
5:33:42
